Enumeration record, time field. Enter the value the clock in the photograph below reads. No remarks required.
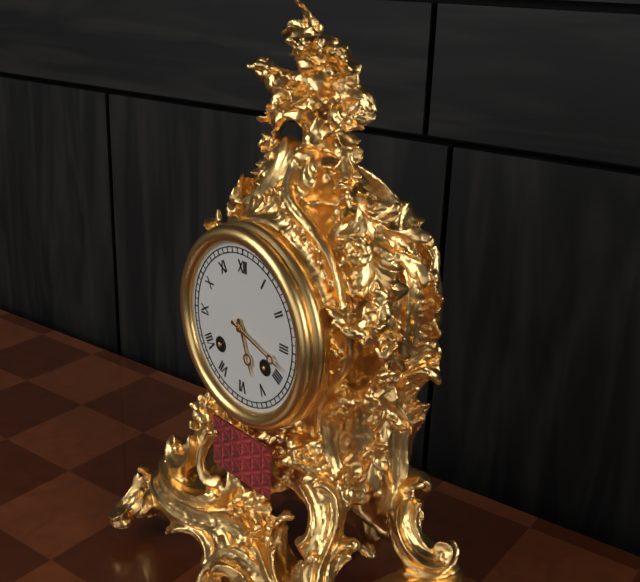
5:18
